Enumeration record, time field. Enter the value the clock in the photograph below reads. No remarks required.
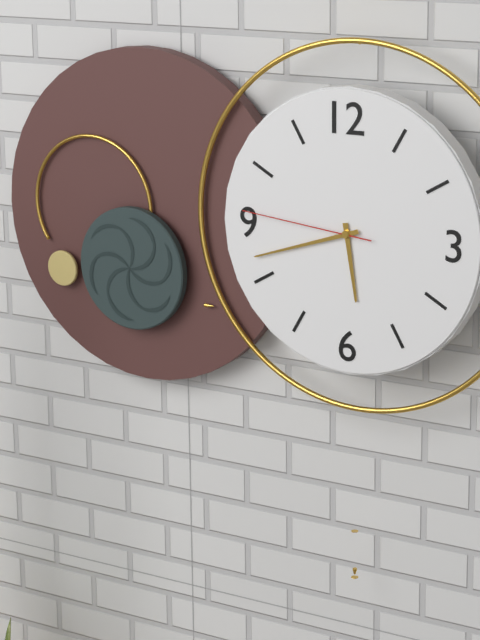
5:42:46
